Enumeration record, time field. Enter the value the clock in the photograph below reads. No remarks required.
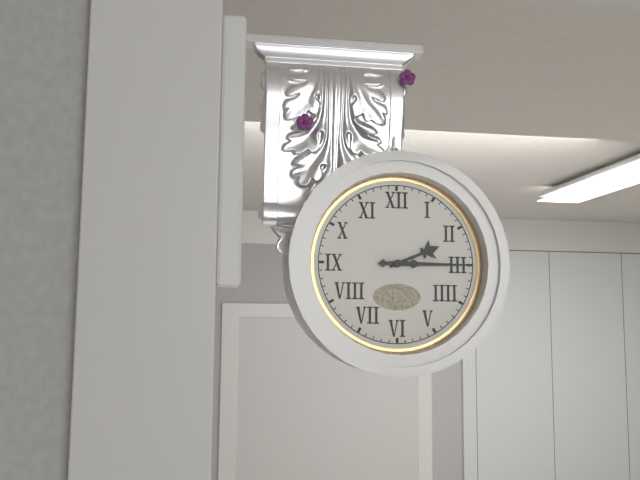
2:15
